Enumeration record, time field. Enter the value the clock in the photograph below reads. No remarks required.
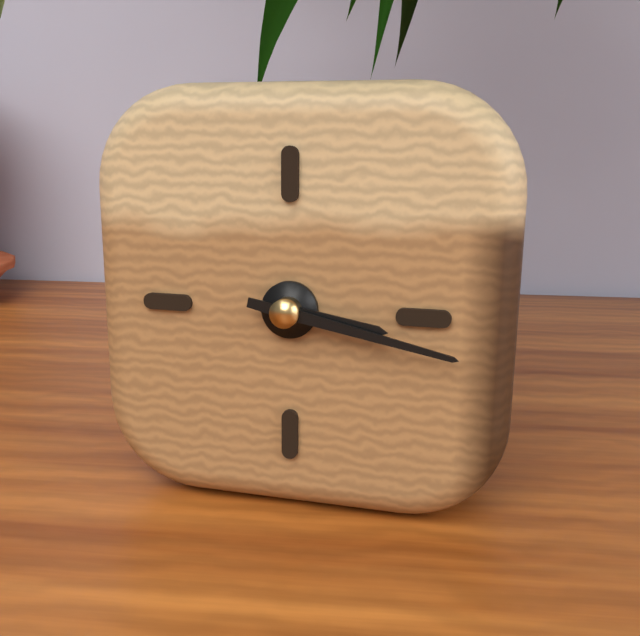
3:17
